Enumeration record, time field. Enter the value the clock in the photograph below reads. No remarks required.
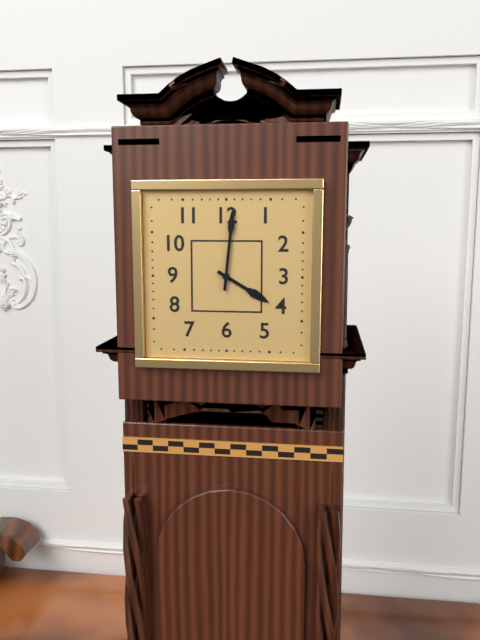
4:01
